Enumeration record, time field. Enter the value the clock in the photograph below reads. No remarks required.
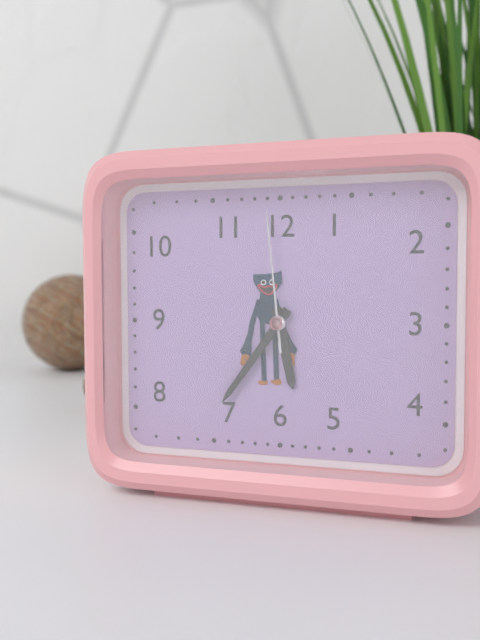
5:36:59
